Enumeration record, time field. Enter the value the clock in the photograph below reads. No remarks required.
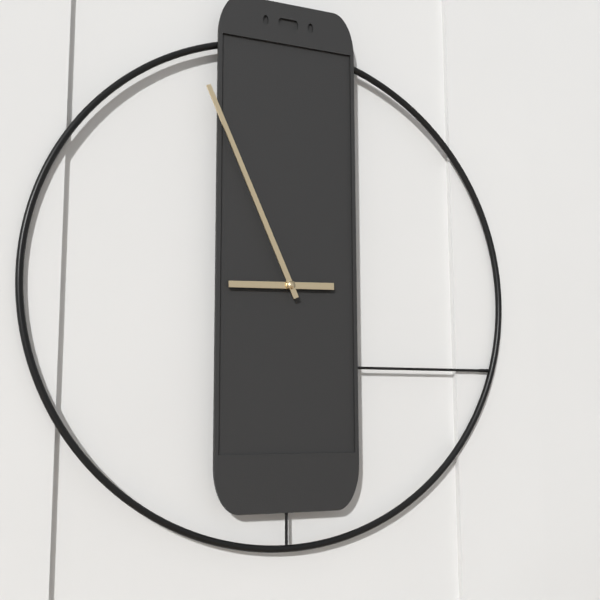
8:56
